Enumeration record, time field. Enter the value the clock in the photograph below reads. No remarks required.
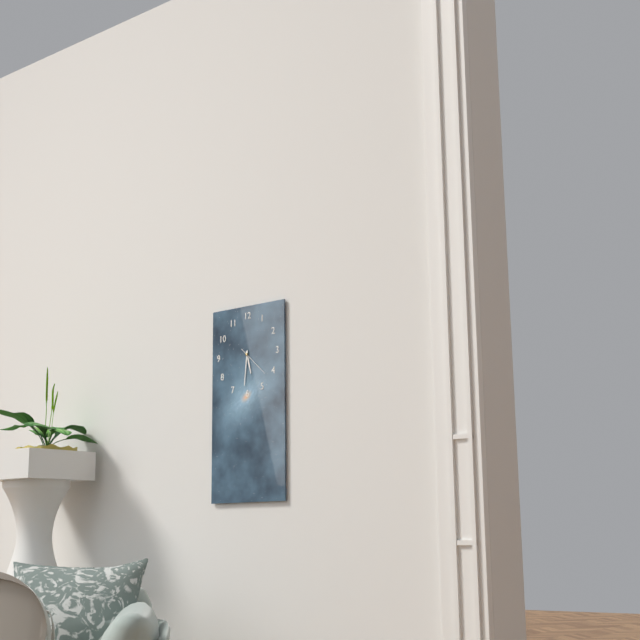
5:31
